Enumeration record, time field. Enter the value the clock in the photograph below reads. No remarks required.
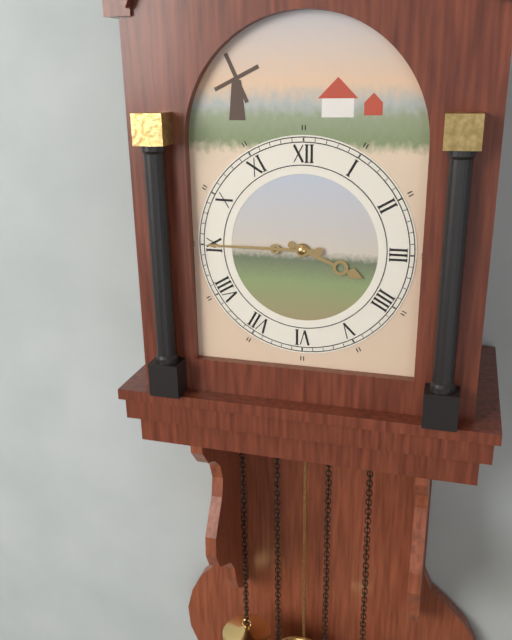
3:45
